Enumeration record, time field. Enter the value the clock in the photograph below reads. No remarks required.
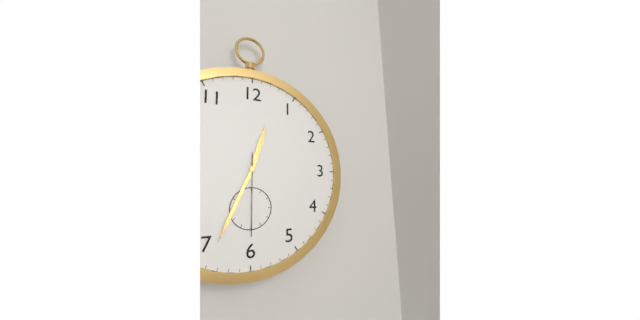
12:34:30
